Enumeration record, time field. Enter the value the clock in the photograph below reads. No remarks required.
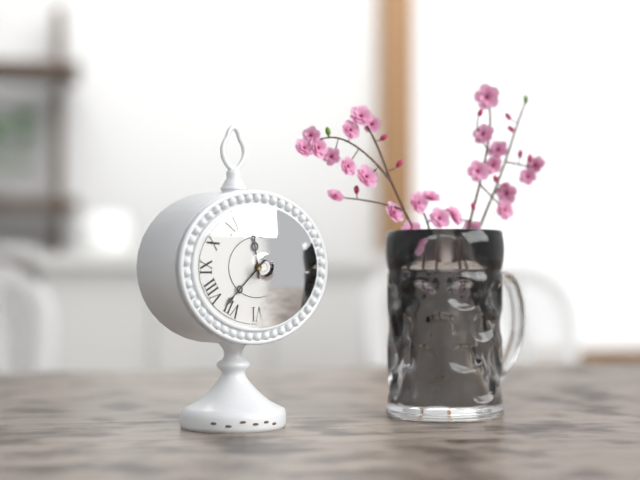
11:38
